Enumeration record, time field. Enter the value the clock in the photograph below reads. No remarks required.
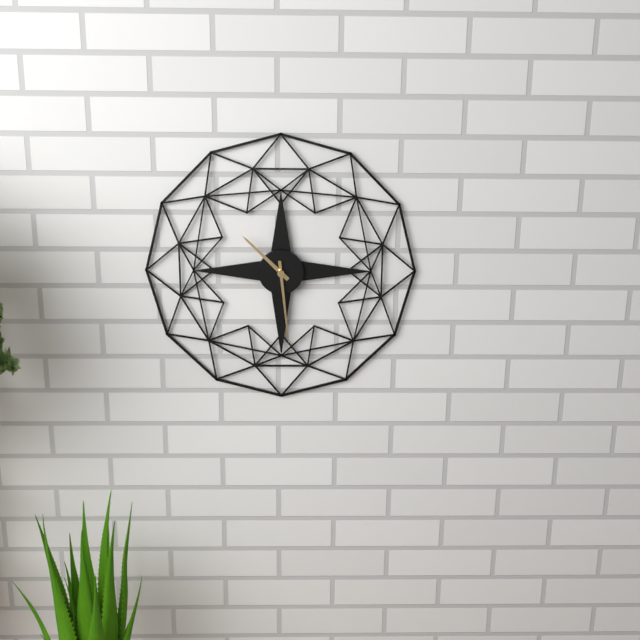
10:29
